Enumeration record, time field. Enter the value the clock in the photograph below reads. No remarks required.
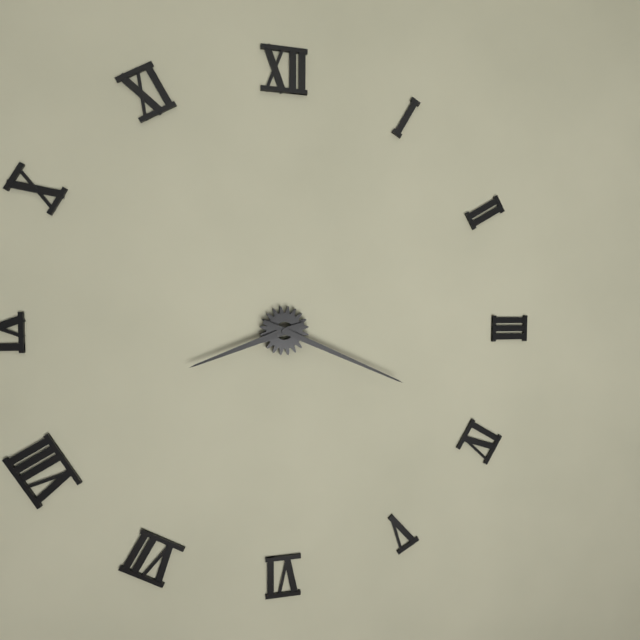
8:19
